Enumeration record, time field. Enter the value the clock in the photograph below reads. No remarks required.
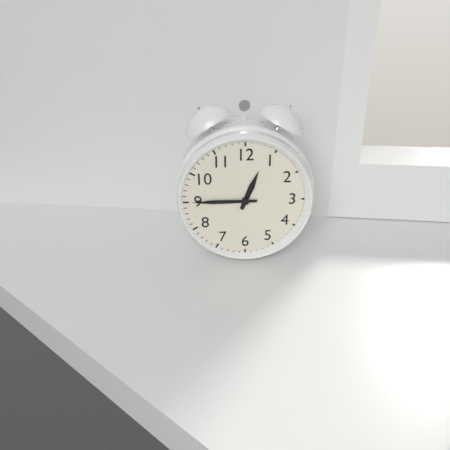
12:45
